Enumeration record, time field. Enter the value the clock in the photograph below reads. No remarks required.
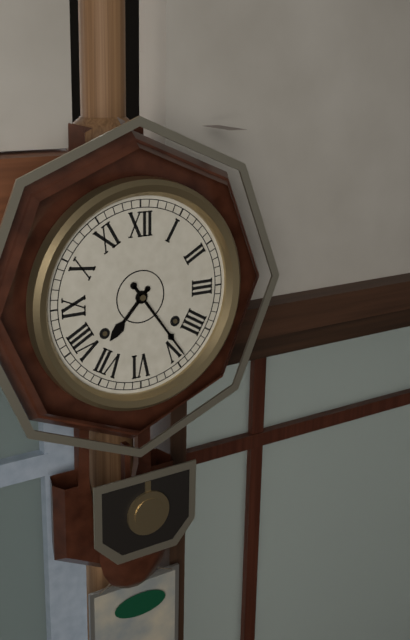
7:24
